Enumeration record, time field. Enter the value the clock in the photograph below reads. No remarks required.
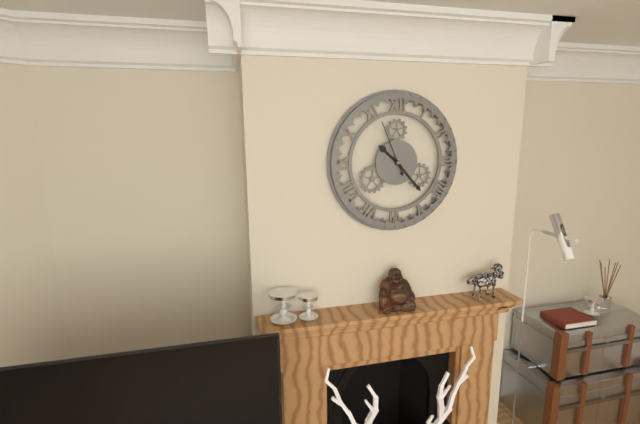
10:23:56
